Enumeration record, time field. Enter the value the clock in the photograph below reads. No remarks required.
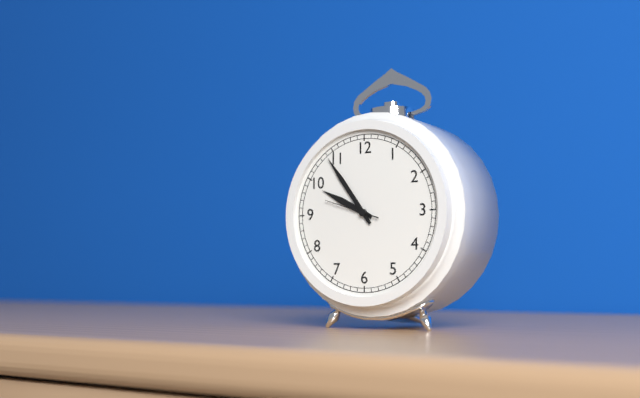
9:54:48
